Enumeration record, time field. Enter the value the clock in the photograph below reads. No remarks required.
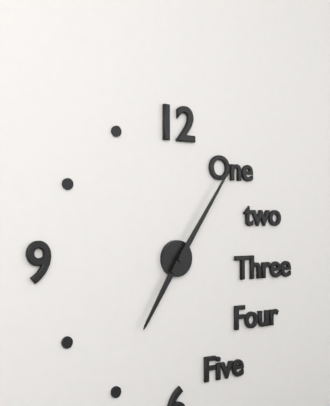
7:06
